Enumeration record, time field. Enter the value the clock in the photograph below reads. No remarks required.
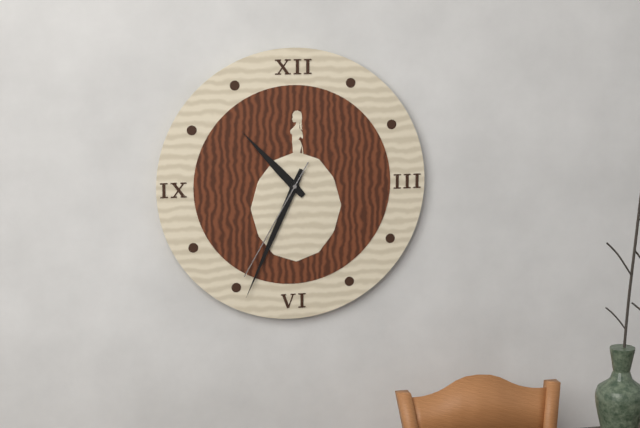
10:34:35
